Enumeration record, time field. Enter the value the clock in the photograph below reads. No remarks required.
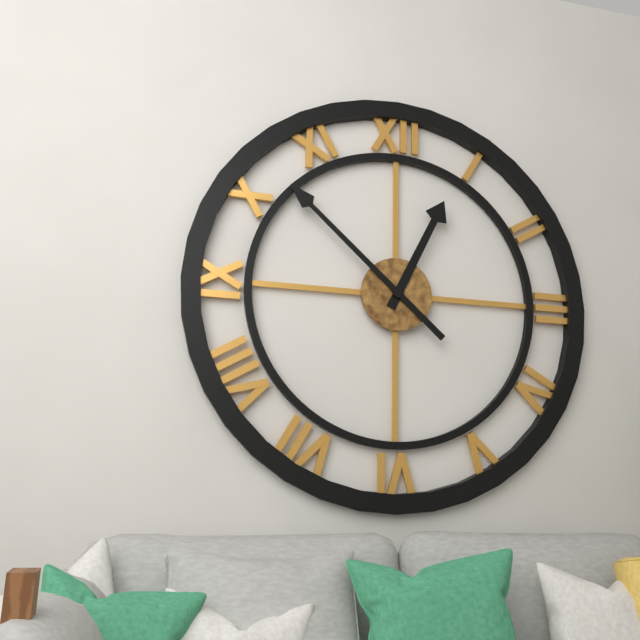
12:52
